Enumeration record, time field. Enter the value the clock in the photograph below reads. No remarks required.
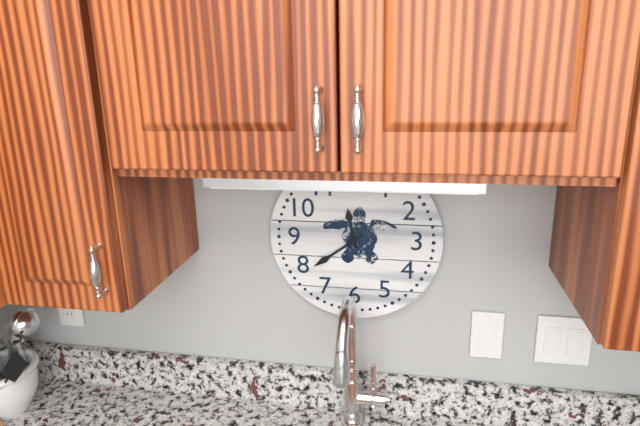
11:39
